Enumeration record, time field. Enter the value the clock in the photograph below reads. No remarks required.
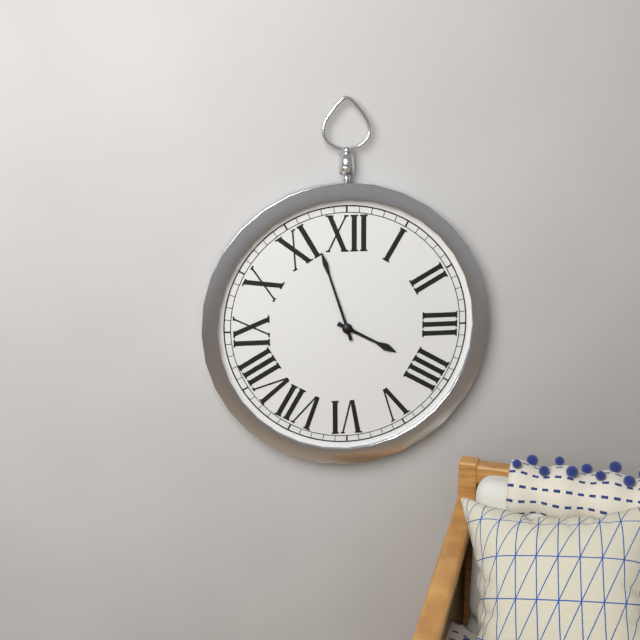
3:57
